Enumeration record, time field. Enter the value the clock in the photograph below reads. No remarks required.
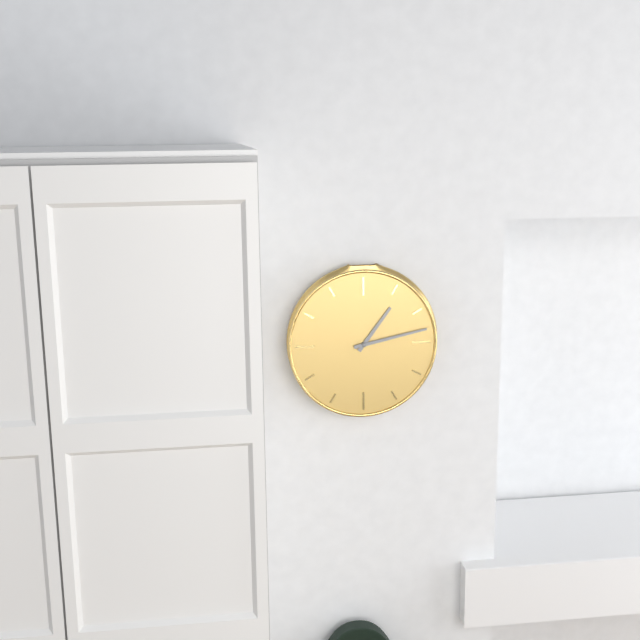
1:13
